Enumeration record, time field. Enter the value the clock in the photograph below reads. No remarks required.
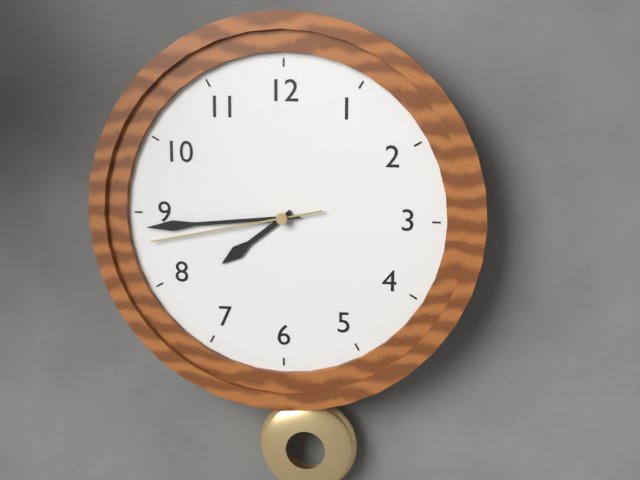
7:44:43
